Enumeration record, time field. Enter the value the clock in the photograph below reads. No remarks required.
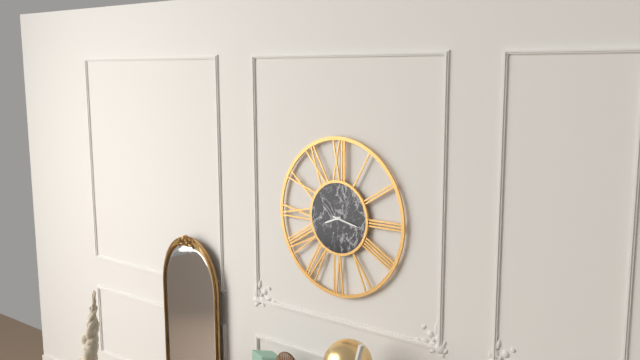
8:17
